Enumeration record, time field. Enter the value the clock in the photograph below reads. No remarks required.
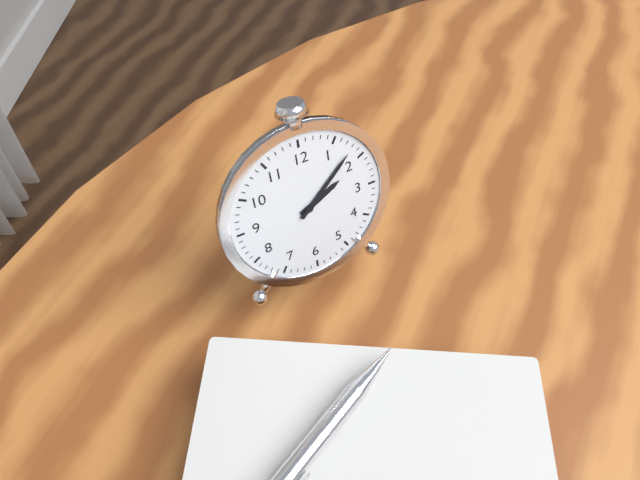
2:08
